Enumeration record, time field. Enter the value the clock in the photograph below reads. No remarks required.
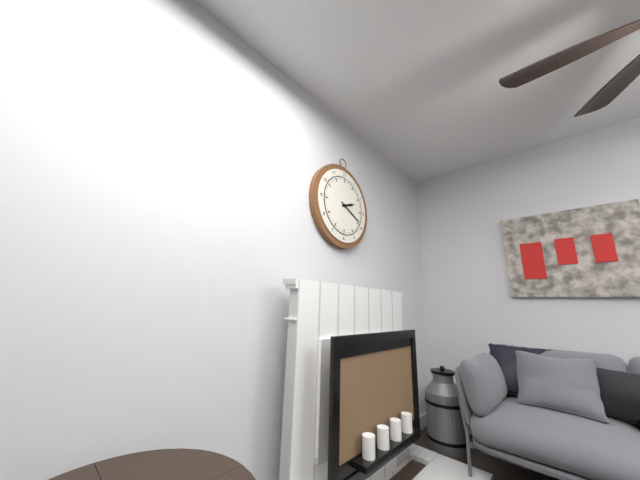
2:19
